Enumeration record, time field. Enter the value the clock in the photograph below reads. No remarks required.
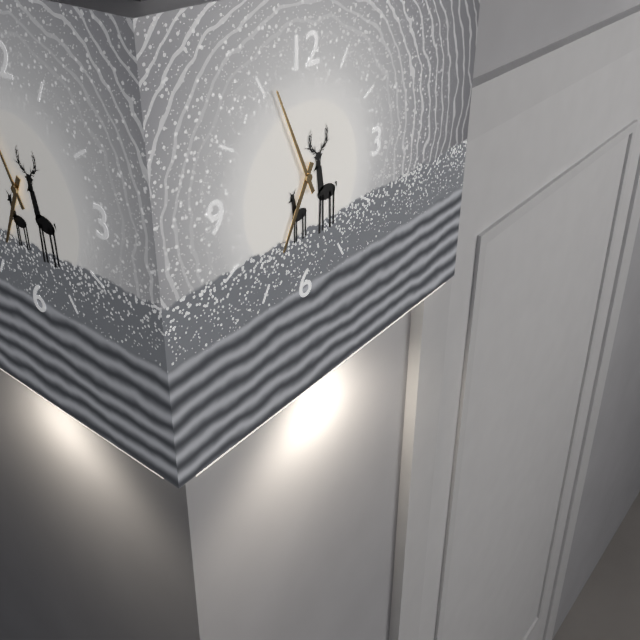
6:56
